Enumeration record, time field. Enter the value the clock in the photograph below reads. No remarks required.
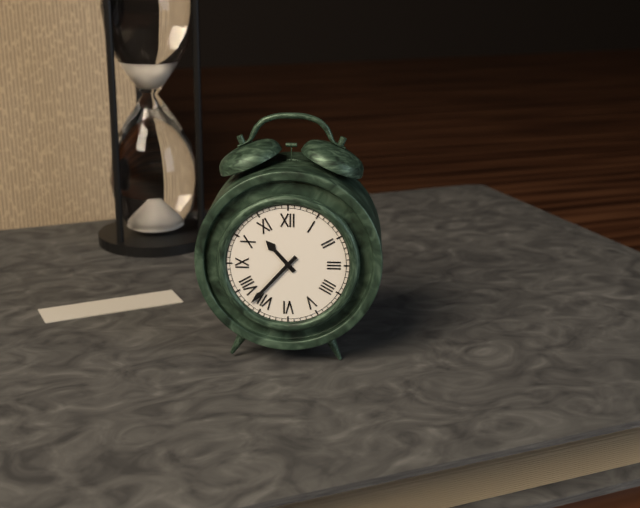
10:37
